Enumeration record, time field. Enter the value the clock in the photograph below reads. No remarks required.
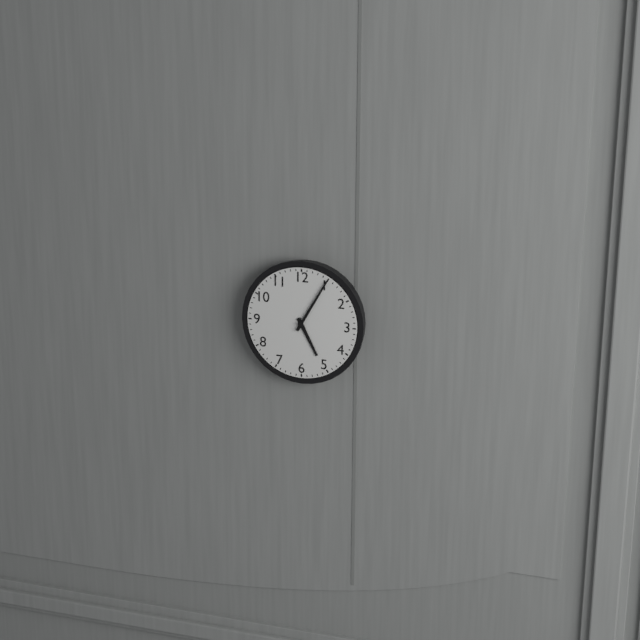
5:05
